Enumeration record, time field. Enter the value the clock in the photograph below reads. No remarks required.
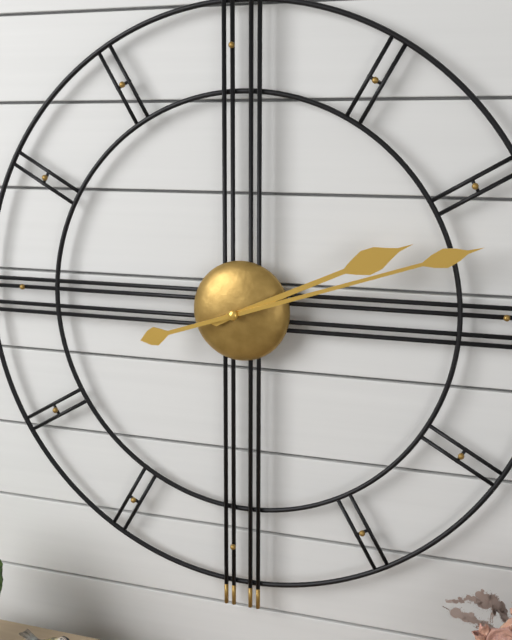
2:12
